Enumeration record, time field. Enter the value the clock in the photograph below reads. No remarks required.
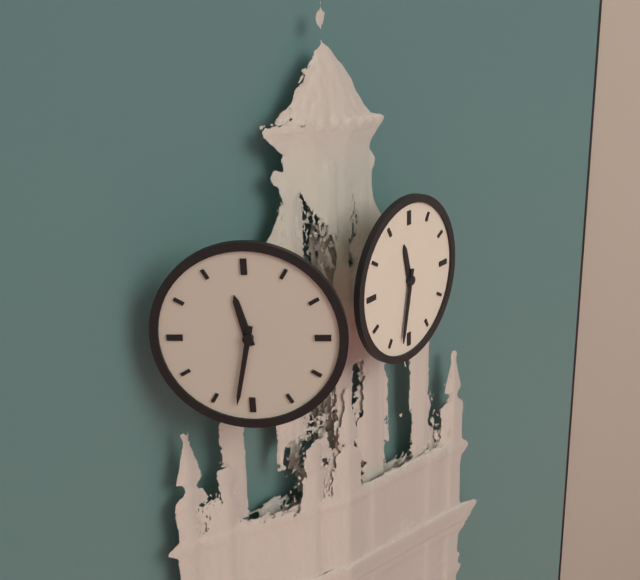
11:32
